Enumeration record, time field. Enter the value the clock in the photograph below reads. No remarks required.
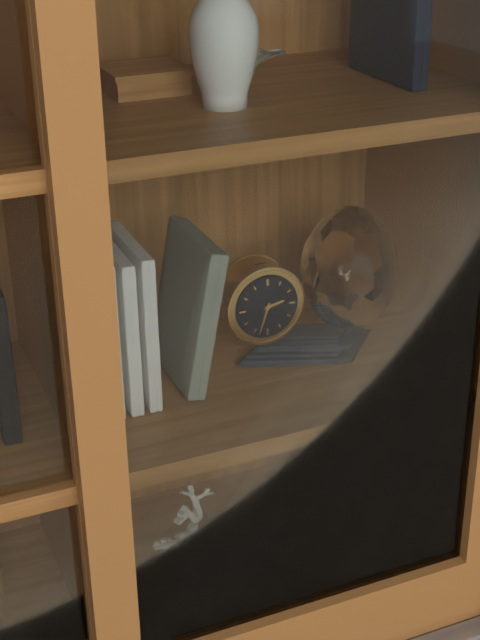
2:33
